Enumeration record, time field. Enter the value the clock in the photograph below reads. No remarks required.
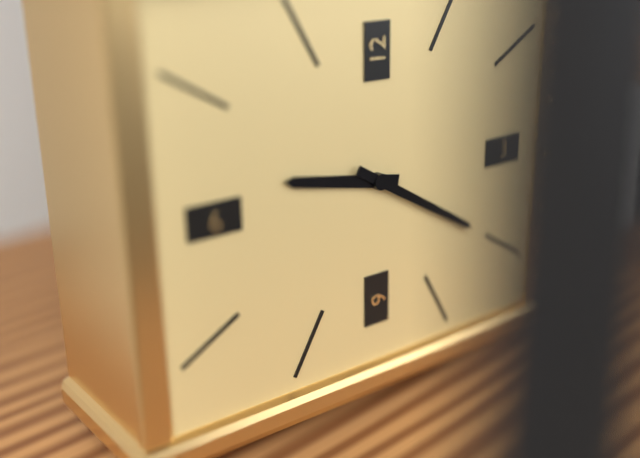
9:20
